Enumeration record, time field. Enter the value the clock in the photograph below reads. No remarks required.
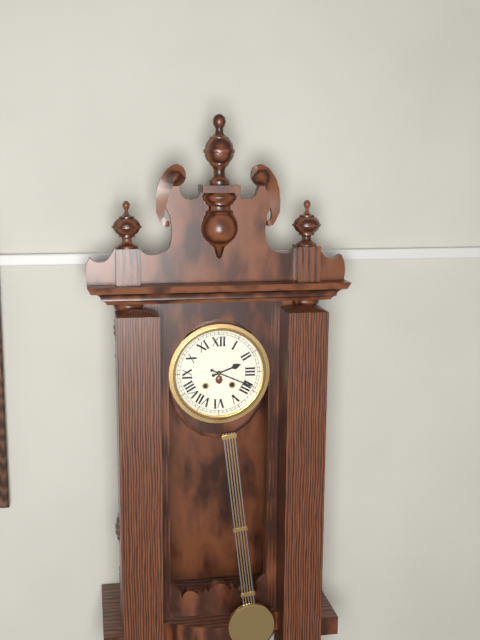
2:19
